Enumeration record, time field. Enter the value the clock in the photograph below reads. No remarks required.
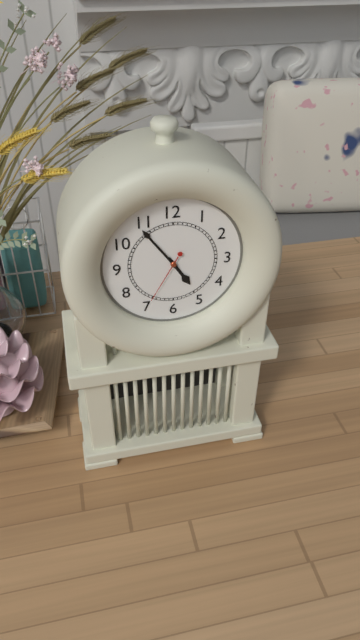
4:54:35
